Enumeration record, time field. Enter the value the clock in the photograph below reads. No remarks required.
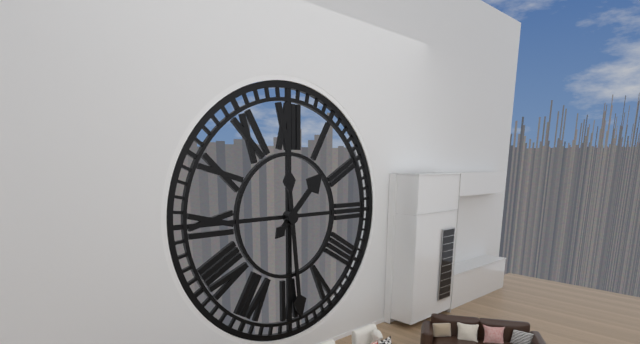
1:29
